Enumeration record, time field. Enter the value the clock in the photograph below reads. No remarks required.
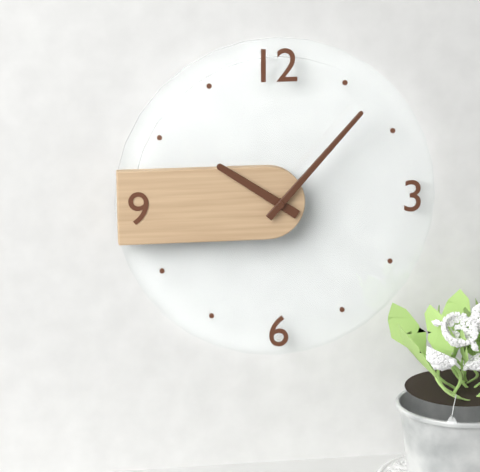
10:07
